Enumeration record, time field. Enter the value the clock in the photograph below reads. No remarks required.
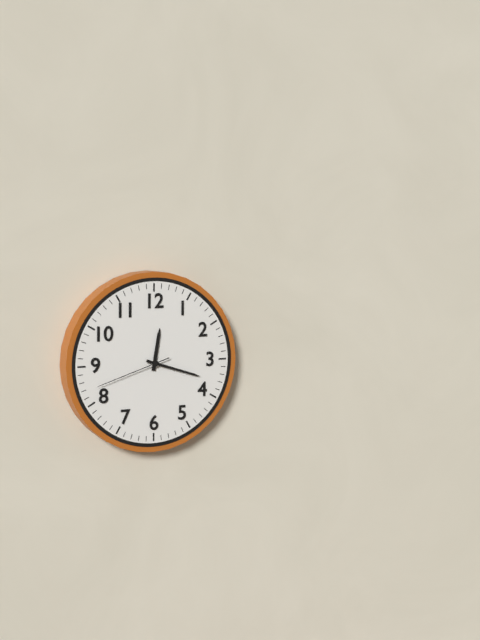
12:18:42
